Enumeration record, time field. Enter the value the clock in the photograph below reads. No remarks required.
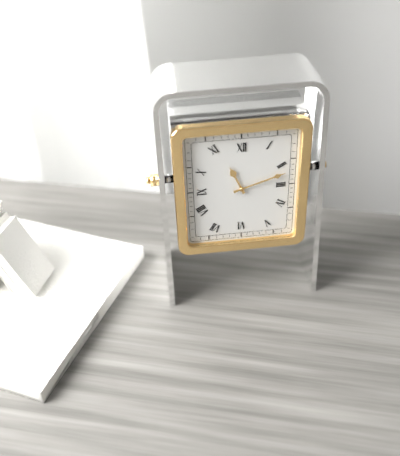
11:12
